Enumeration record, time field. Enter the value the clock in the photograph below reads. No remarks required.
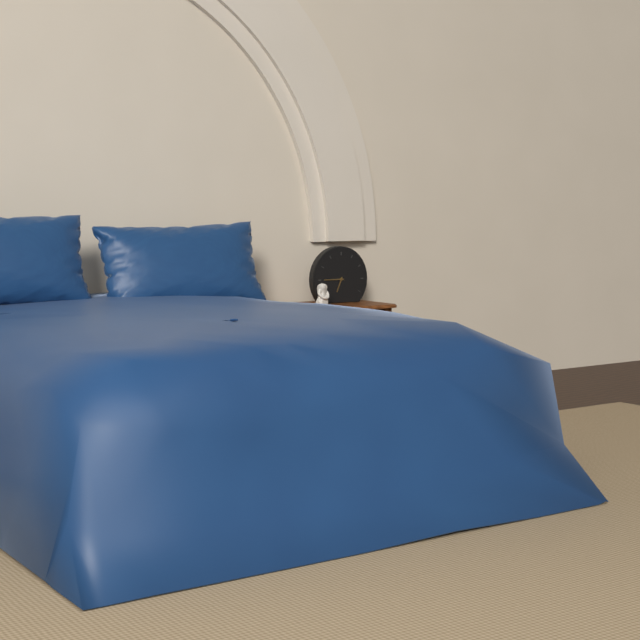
6:45
